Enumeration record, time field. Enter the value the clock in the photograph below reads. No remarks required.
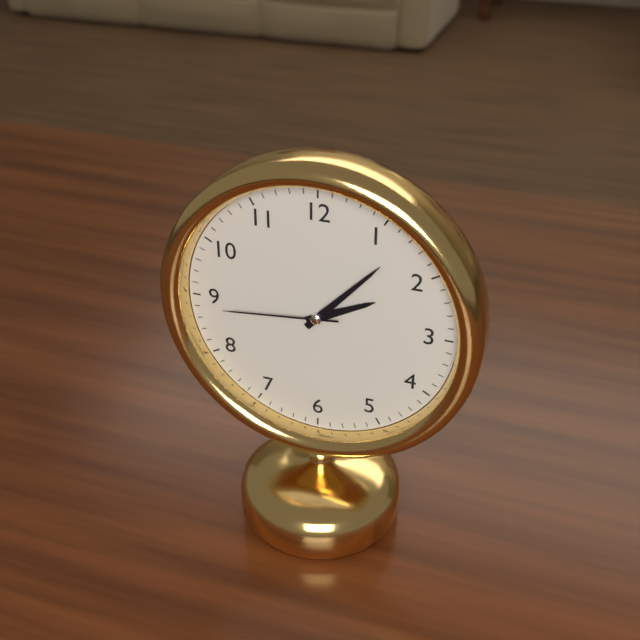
2:07:44
